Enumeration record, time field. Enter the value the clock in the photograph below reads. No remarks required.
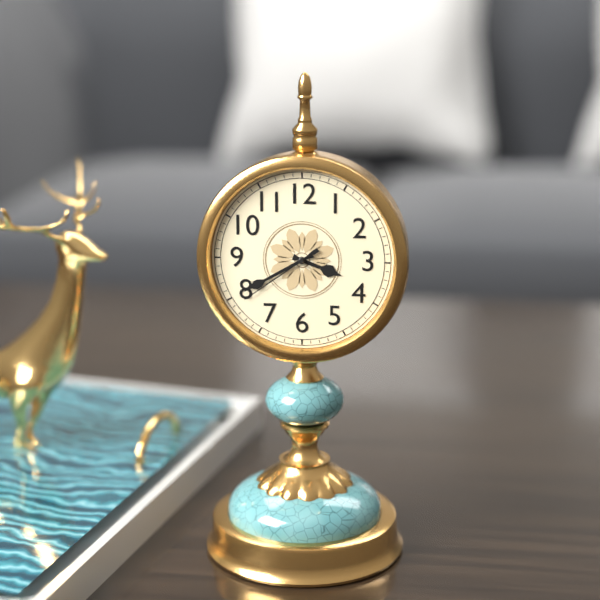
3:40:39
